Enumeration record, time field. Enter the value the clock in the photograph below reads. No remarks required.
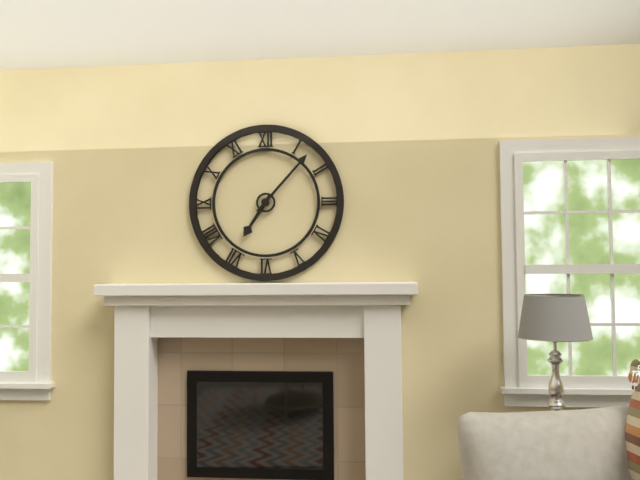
7:07
